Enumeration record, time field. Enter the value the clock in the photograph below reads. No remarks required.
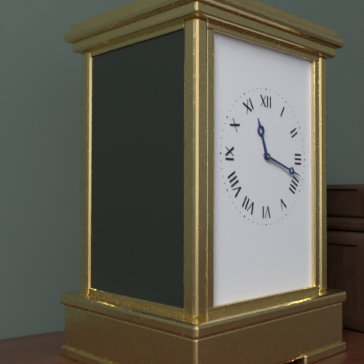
11:18
